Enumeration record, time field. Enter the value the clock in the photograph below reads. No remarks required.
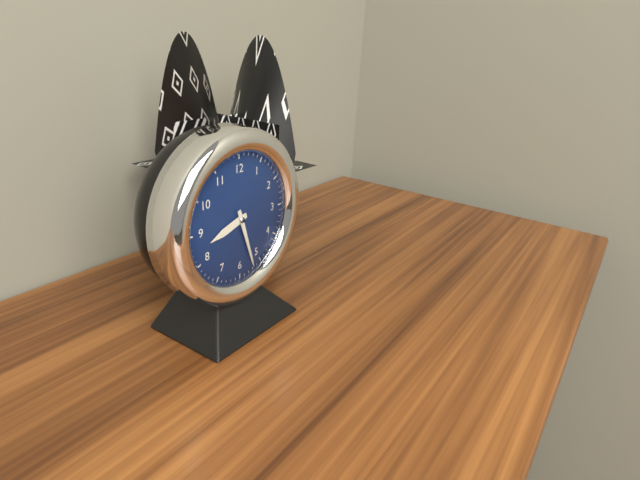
8:27
